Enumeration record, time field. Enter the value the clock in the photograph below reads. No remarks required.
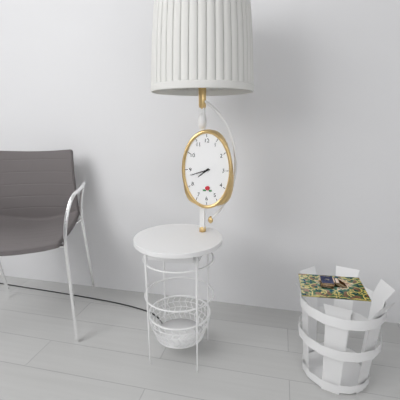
7:42
